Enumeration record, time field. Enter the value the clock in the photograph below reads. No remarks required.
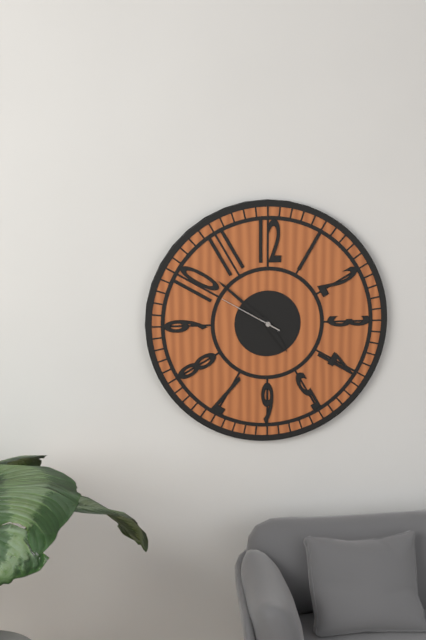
4:52:50
